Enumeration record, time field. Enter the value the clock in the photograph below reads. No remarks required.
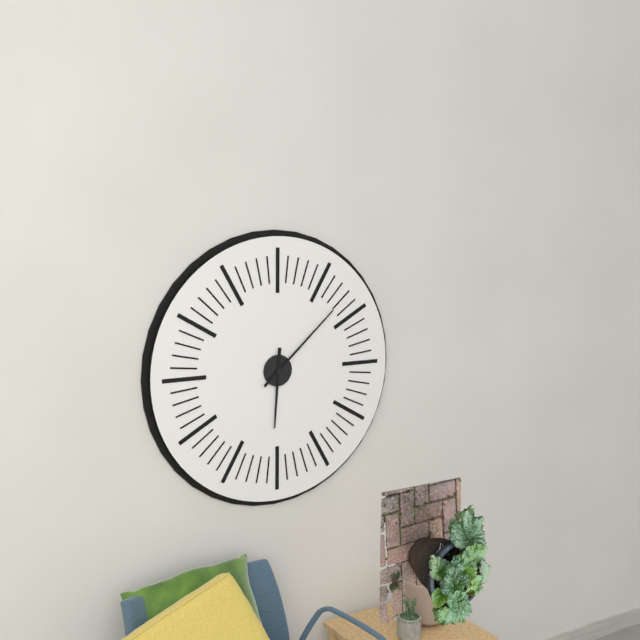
6:08
